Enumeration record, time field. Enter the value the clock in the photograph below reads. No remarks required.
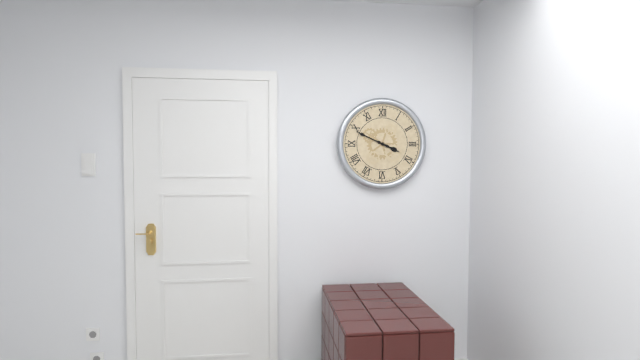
3:49
